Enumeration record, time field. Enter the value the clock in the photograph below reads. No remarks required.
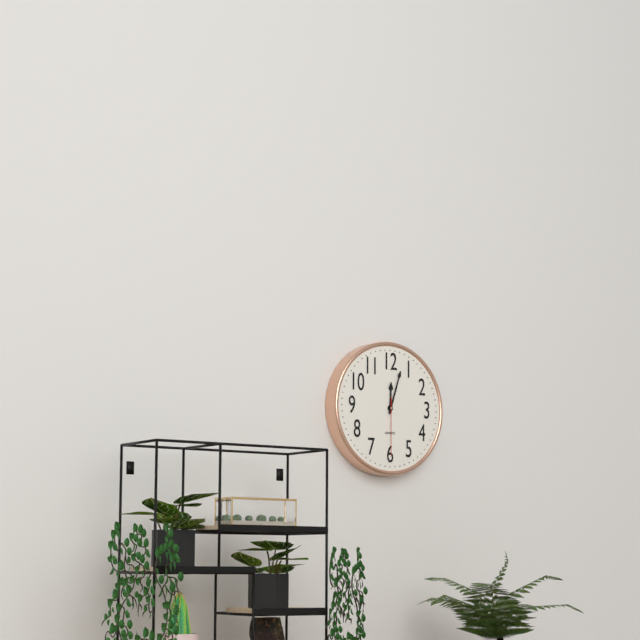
12:03:30
